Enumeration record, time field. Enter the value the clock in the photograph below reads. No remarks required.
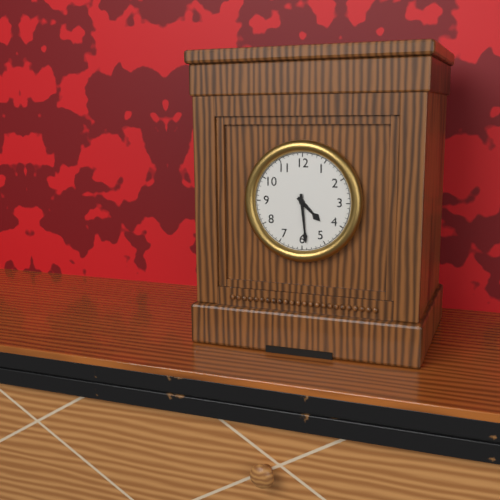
4:29
